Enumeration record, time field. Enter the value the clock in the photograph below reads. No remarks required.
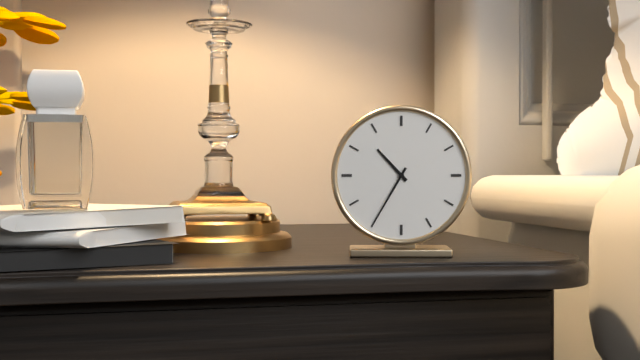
10:35
